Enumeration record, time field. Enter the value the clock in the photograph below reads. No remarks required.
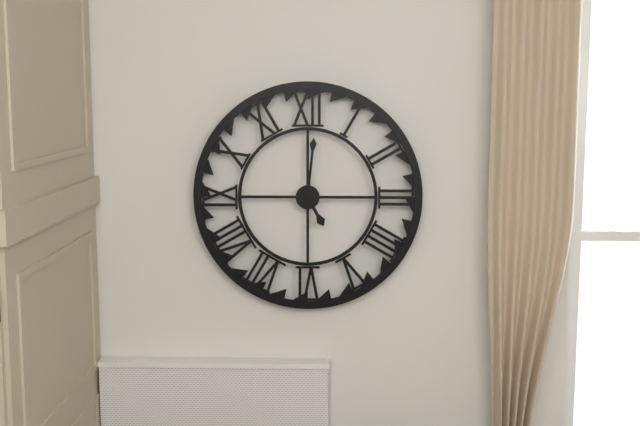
5:01
